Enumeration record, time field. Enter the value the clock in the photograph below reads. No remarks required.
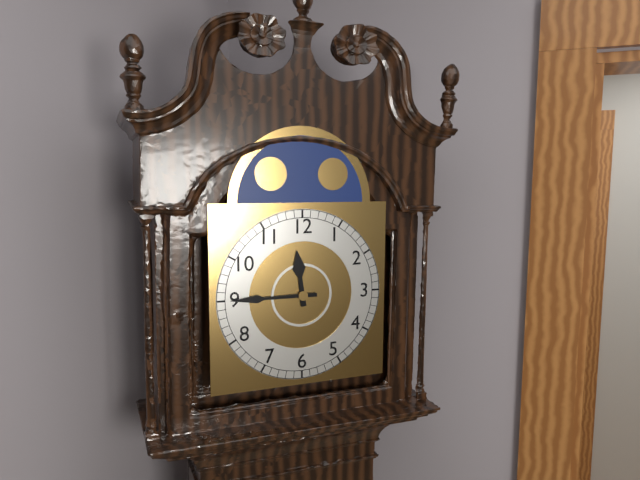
11:45
